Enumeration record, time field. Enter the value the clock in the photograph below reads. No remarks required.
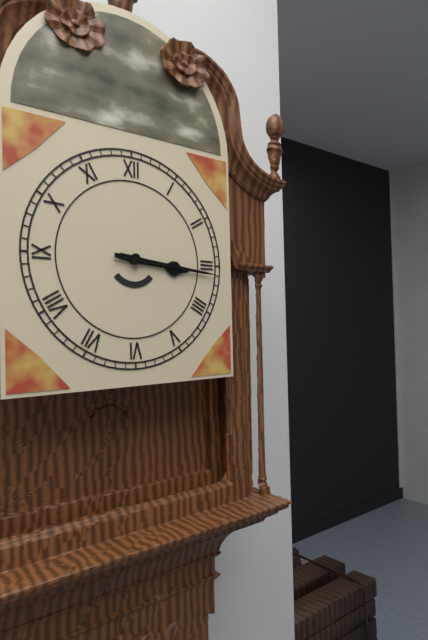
3:16
